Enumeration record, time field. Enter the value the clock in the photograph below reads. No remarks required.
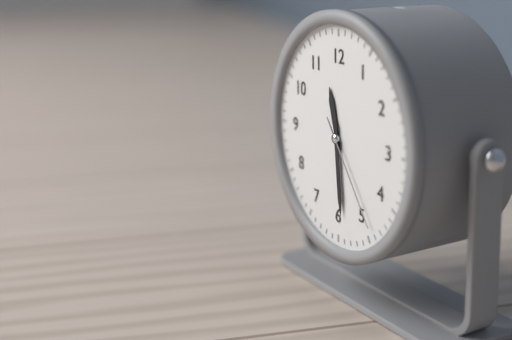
11:29:24
